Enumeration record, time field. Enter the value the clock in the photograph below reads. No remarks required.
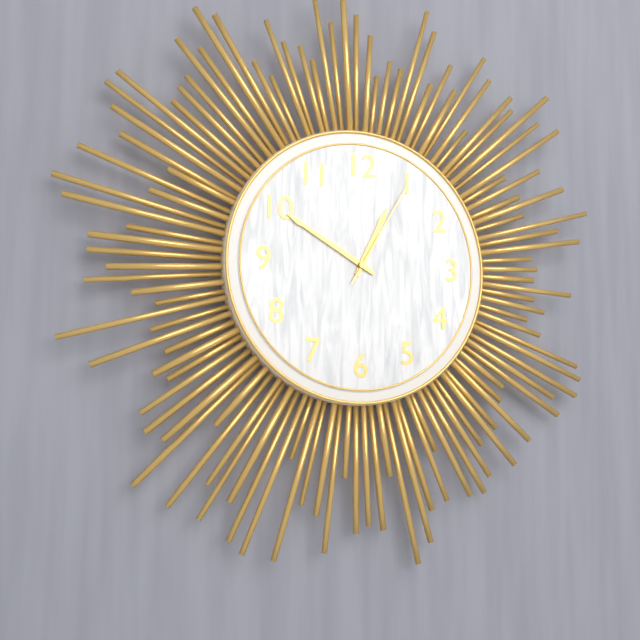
12:50:05
